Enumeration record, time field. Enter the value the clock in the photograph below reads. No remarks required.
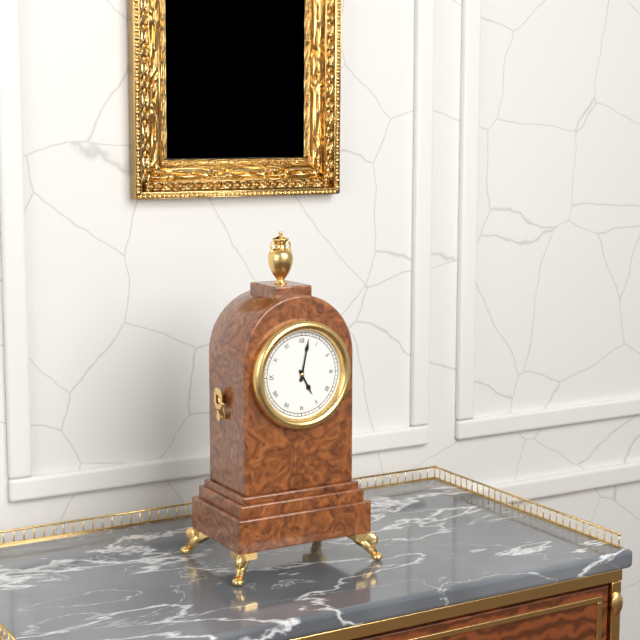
5:02
